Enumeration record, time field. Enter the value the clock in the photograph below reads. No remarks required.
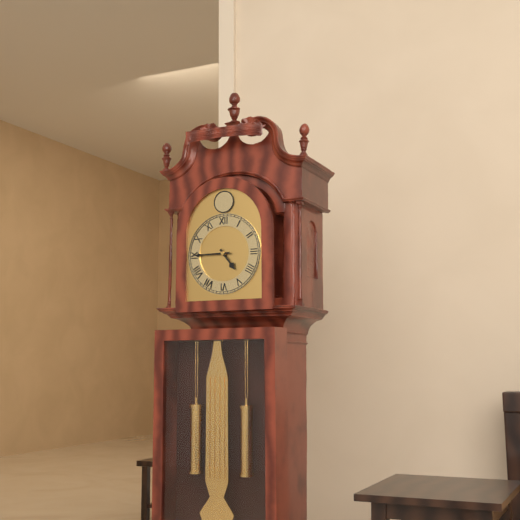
4:45
